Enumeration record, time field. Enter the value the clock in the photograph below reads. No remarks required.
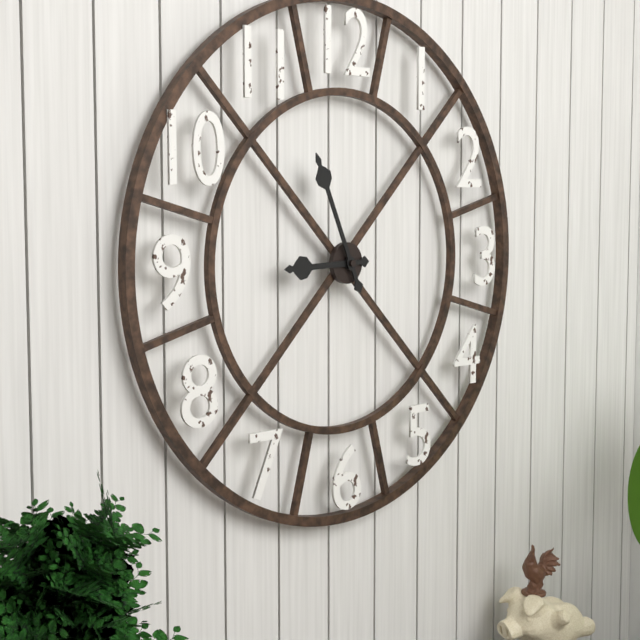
8:56
